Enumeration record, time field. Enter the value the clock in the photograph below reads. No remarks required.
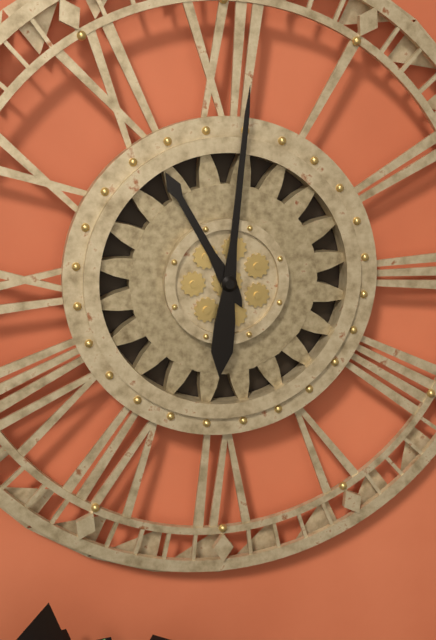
11:01
